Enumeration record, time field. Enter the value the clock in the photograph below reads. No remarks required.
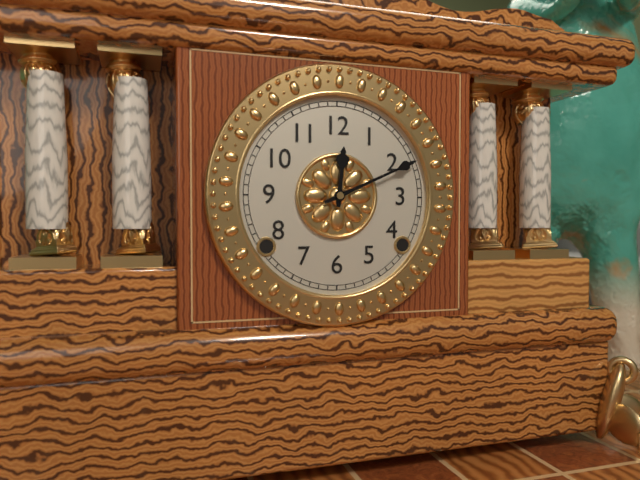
12:11
